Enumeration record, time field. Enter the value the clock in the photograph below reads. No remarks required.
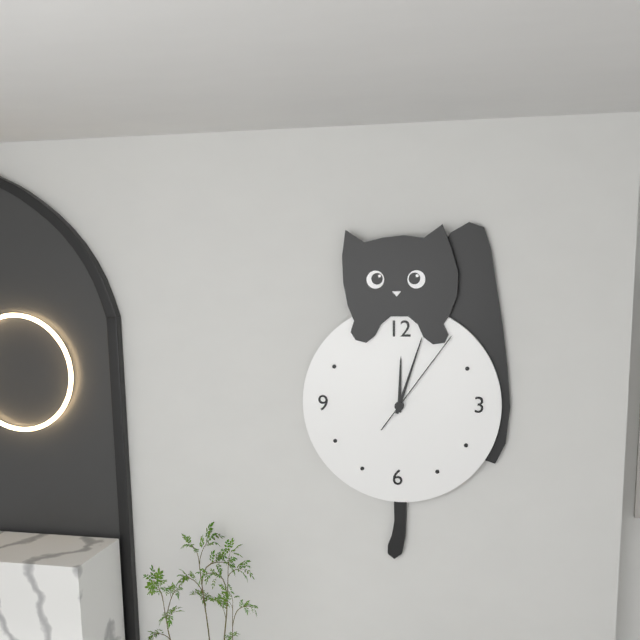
12:03:06
